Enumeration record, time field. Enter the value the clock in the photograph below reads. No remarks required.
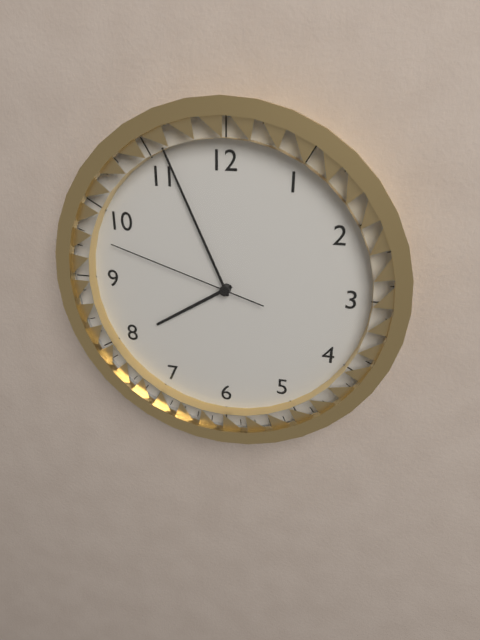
7:56:48
